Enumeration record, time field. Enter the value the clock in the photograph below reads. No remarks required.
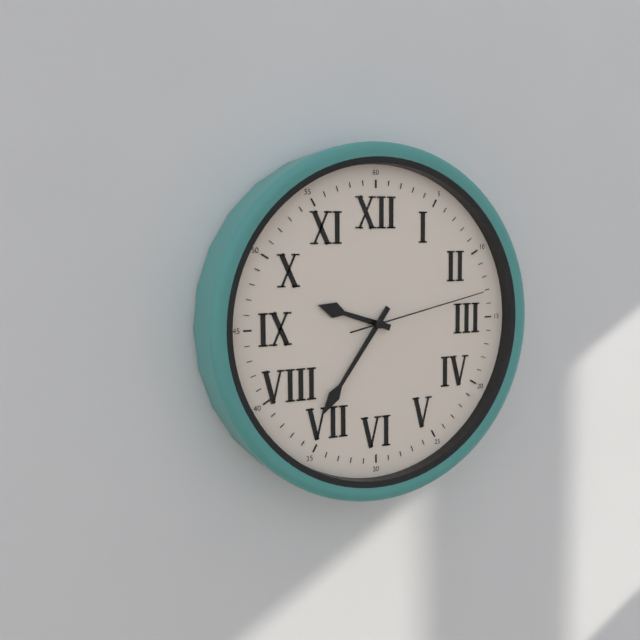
9:36:13
